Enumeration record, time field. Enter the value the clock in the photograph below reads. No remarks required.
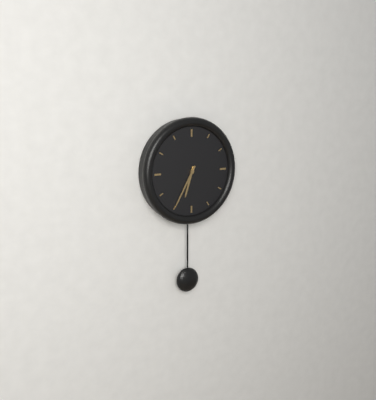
6:35
